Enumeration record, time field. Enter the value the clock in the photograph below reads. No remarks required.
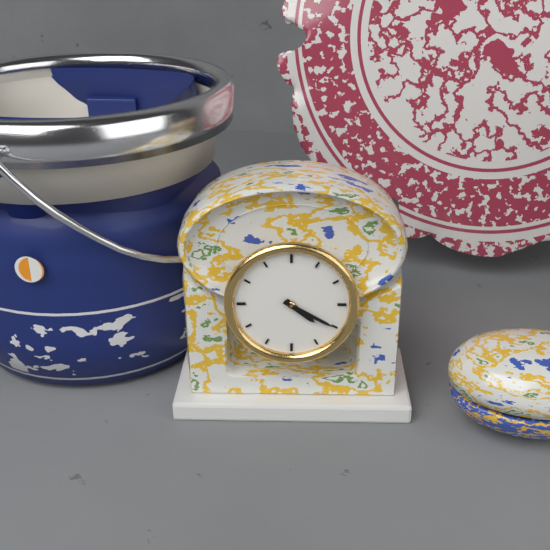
4:20
